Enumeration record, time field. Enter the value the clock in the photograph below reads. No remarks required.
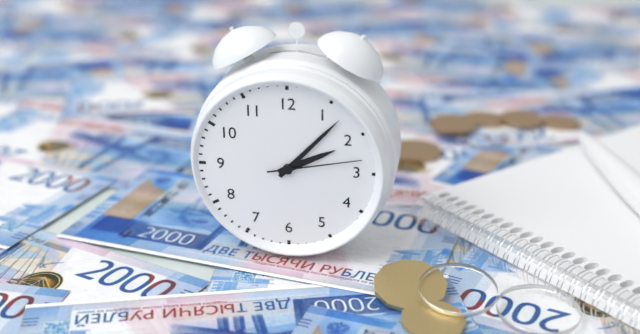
2:07:13
